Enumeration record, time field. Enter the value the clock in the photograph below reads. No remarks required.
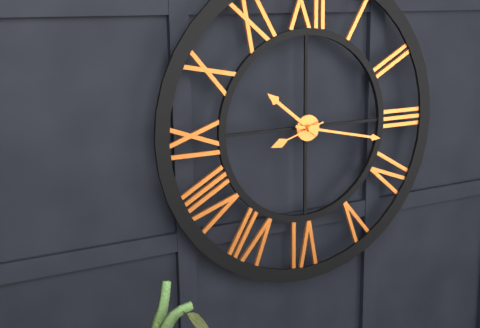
10:17:42
